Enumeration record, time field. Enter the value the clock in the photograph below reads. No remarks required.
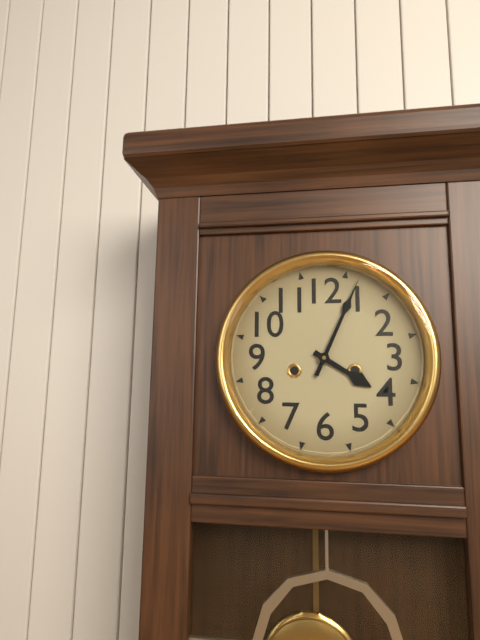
4:04
